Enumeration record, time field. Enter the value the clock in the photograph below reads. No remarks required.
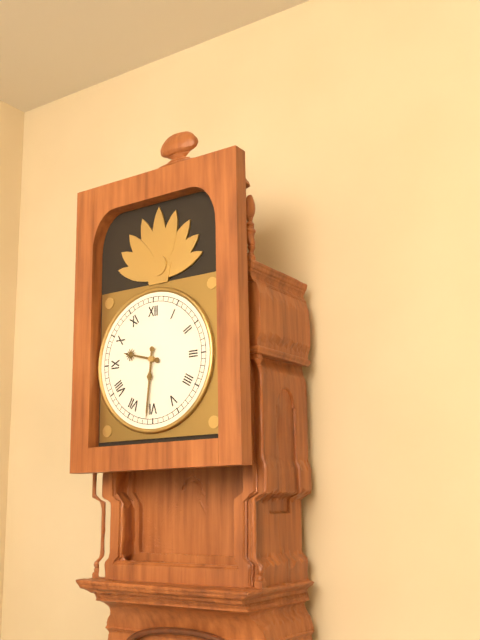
9:31
